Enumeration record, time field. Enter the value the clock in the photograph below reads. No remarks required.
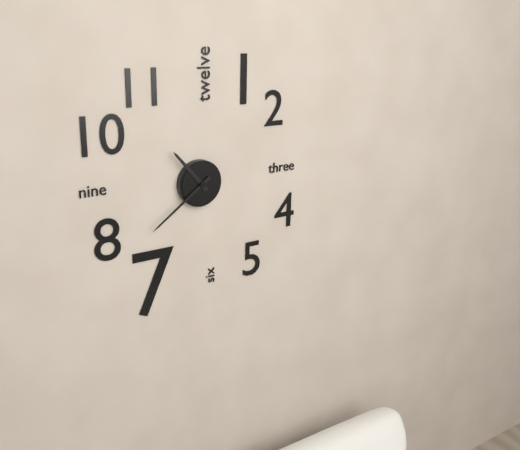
10:39
